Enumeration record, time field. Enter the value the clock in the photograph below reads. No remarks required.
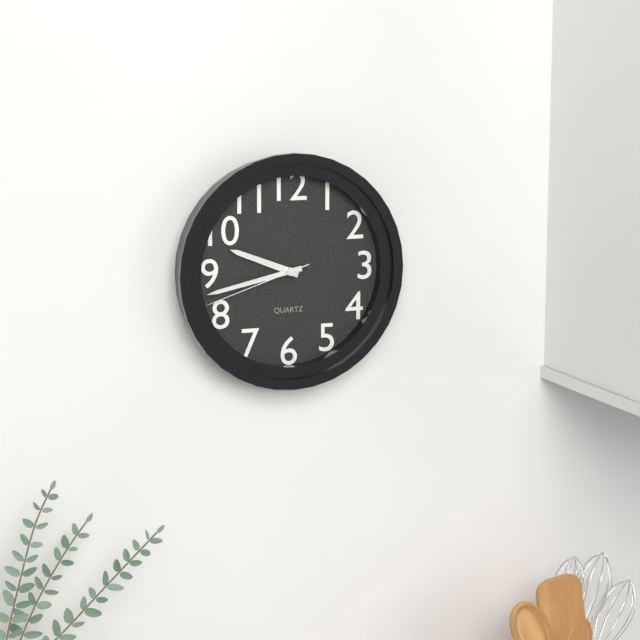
9:43:42
